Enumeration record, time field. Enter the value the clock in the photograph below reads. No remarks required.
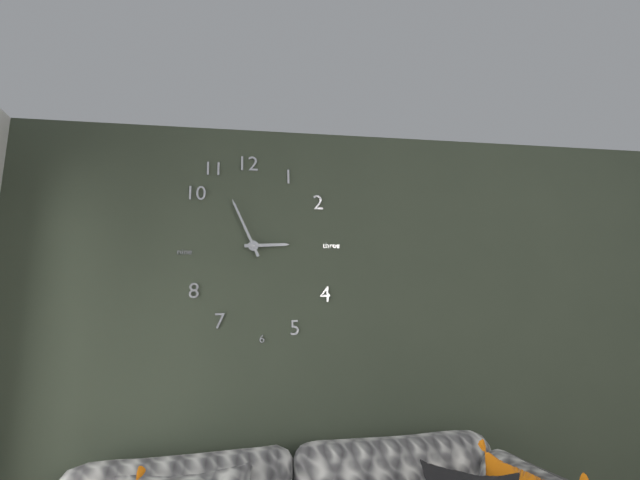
2:56
